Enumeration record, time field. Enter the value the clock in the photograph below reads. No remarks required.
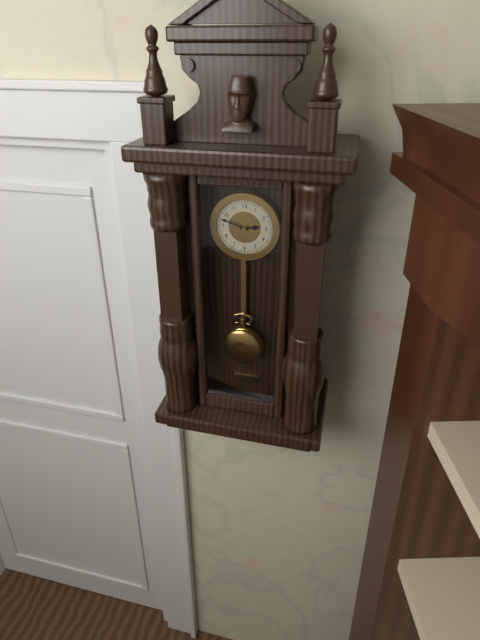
2:48
